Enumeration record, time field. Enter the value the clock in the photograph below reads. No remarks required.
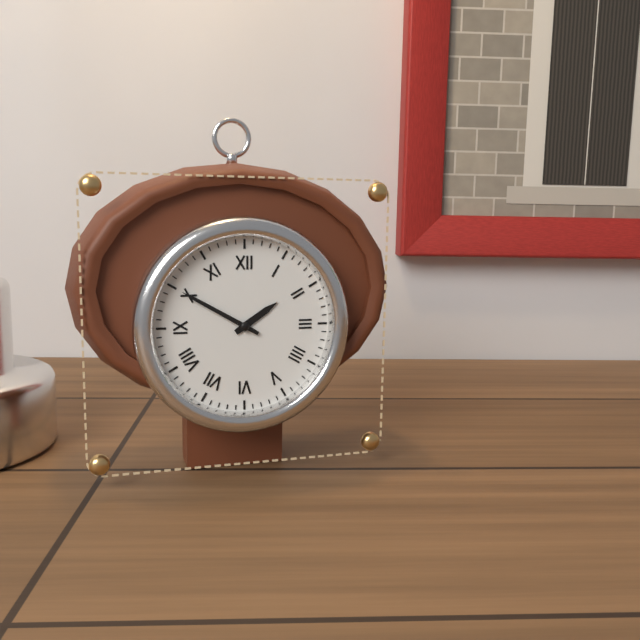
1:50
